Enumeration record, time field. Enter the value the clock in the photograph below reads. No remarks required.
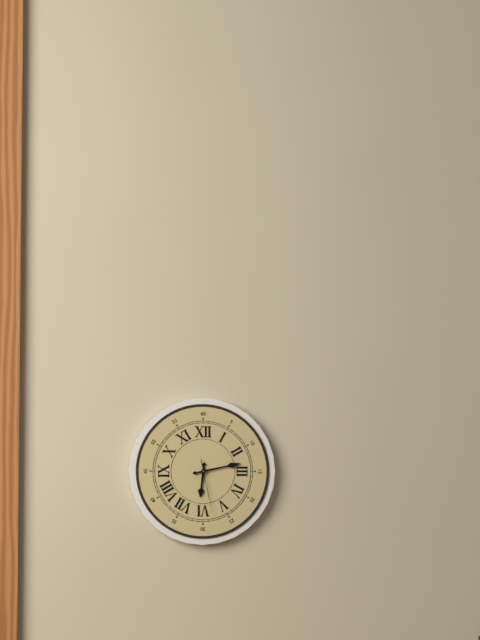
6:13:28
